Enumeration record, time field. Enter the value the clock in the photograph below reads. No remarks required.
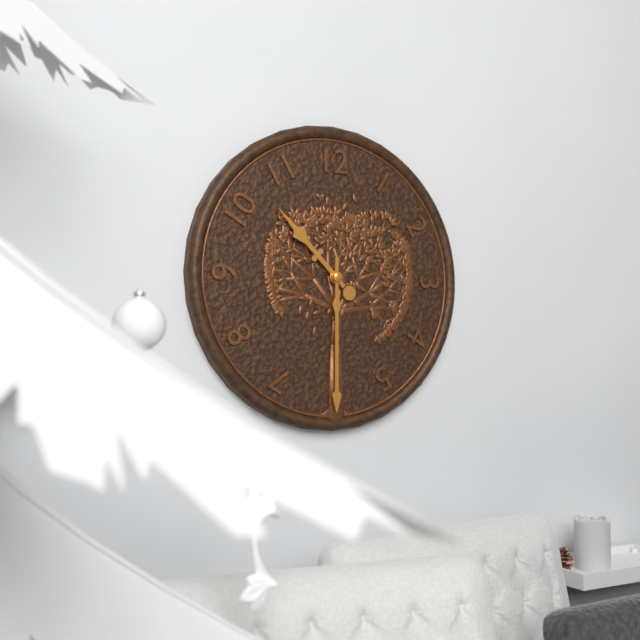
10:30
